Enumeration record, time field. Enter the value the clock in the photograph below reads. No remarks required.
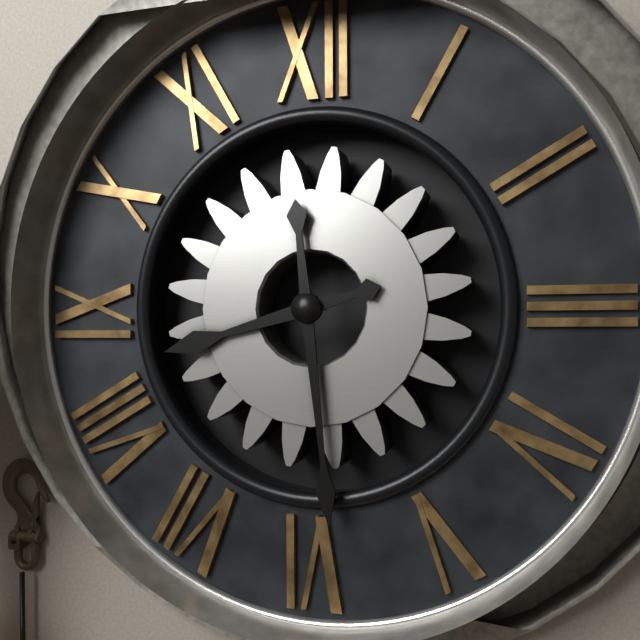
8:29
